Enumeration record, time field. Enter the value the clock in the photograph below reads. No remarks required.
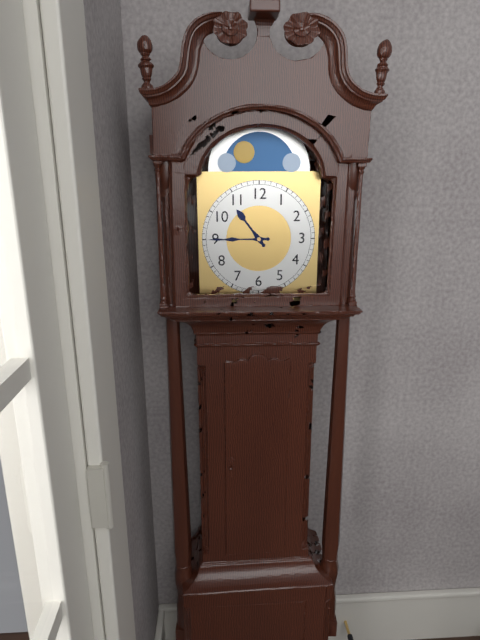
10:45
